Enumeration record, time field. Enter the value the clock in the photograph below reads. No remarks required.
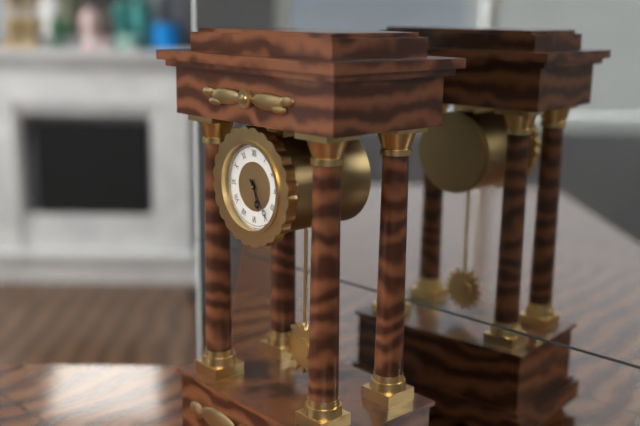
5:24
